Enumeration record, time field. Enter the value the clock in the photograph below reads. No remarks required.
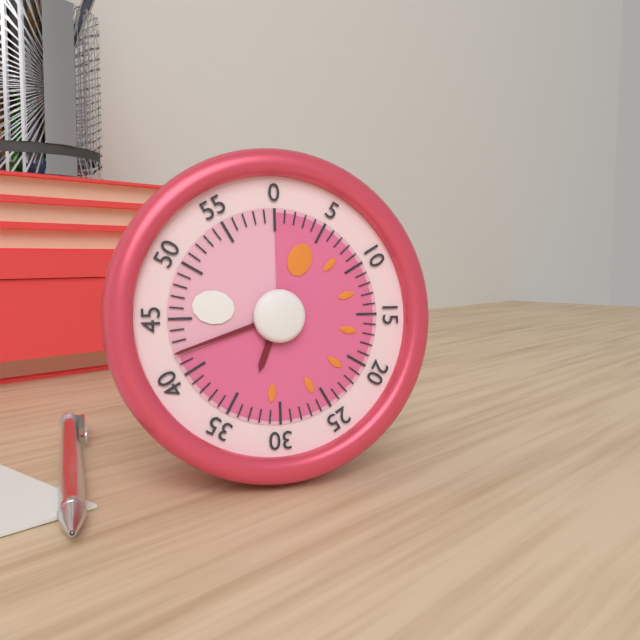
6:42
